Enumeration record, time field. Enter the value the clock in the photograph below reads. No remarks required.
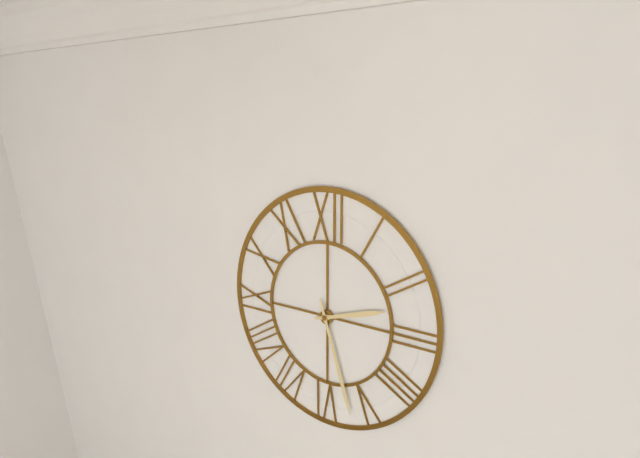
2:27
